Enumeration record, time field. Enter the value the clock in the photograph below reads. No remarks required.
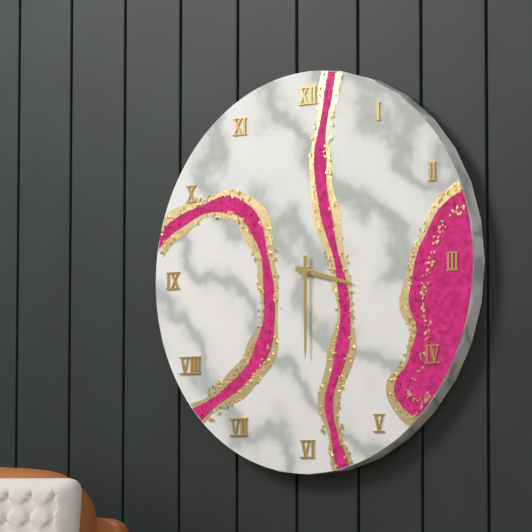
3:30
